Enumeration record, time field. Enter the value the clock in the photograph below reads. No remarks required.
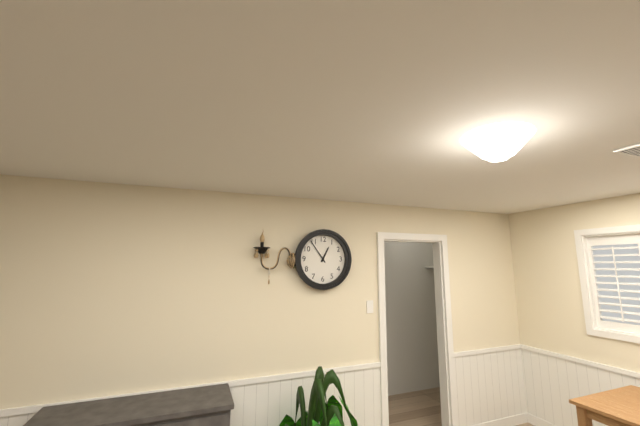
12:54
